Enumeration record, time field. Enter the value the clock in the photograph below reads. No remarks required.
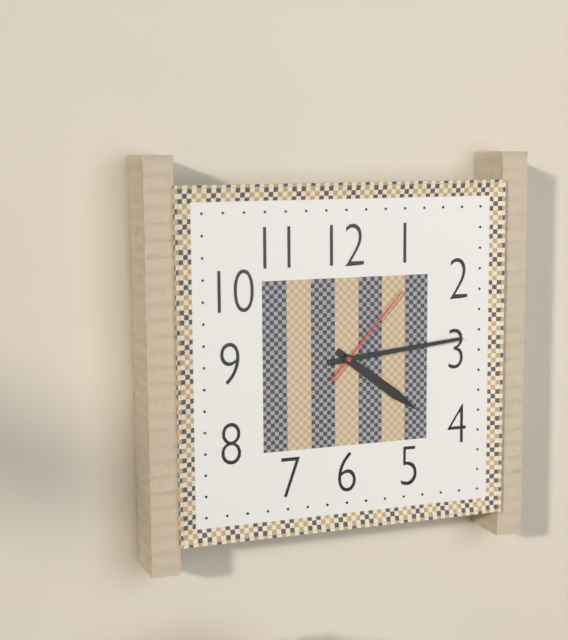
4:14:07
